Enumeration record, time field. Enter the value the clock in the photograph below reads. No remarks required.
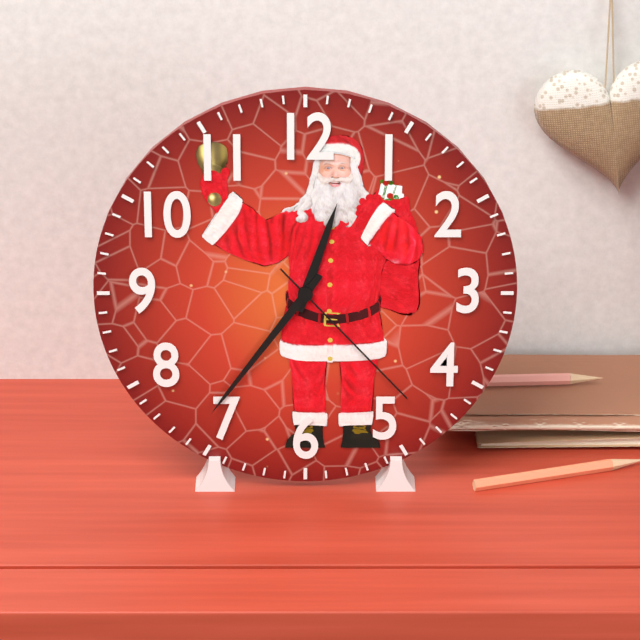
12:36:23
